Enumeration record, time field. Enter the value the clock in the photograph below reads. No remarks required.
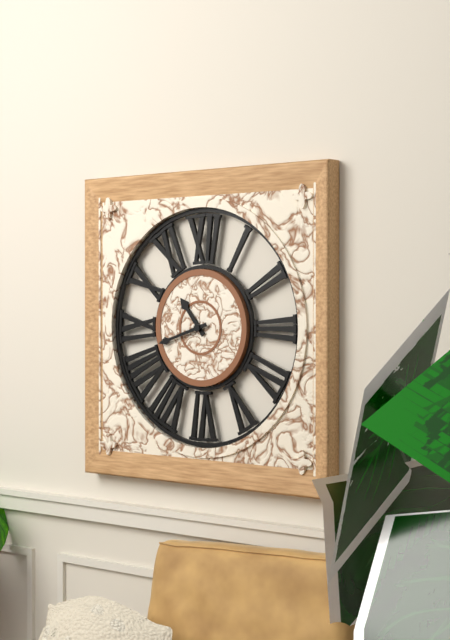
10:42
